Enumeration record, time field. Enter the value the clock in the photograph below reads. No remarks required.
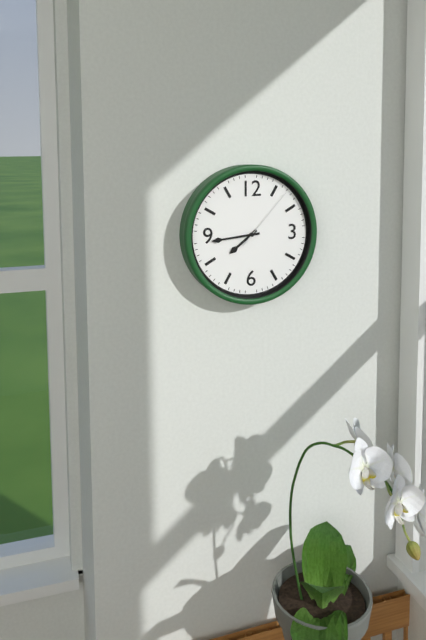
7:44:07
